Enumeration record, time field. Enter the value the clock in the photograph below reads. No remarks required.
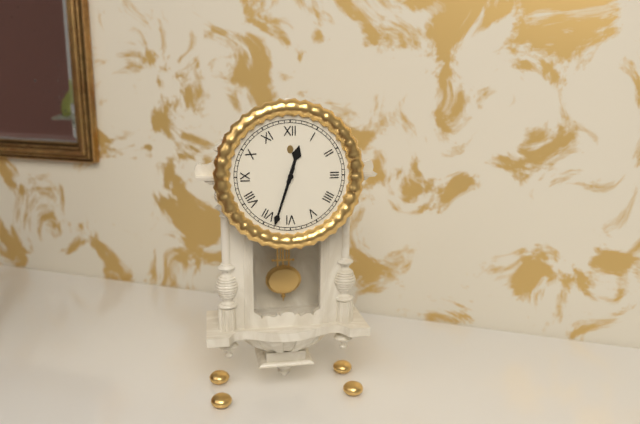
12:33
